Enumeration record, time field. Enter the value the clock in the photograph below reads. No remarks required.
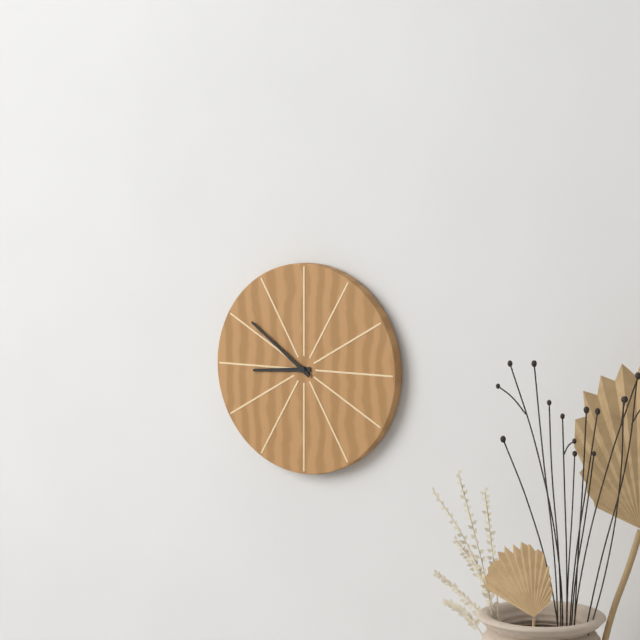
8:51
